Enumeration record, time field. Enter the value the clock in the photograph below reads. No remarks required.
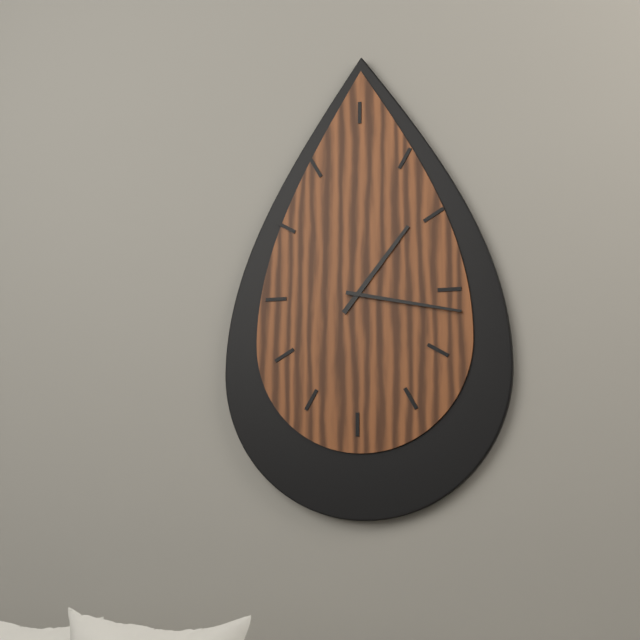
1:17
